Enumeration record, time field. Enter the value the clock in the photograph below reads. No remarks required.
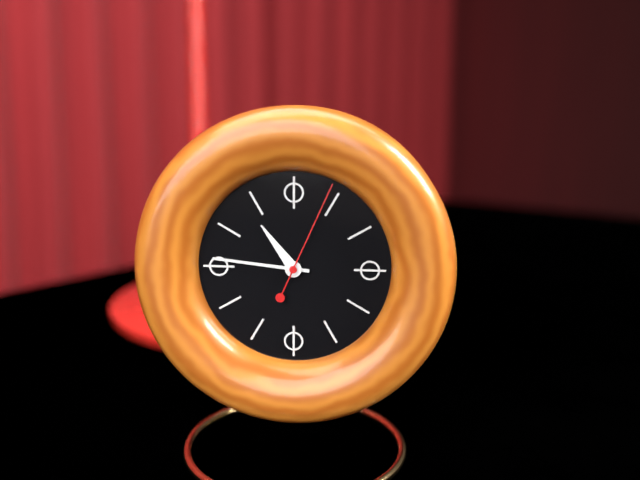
10:46:04
